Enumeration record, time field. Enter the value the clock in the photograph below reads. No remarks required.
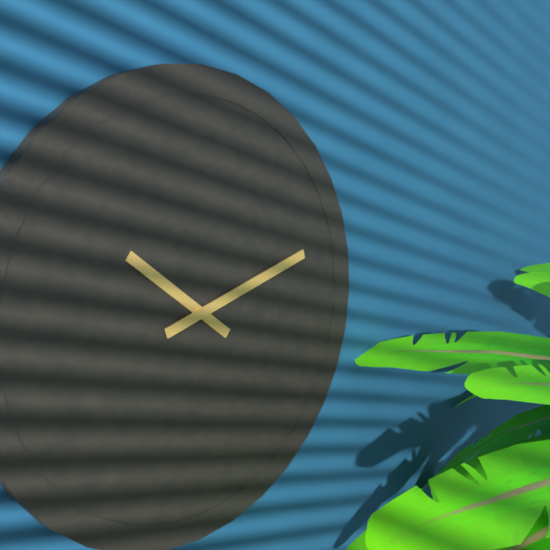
10:12
